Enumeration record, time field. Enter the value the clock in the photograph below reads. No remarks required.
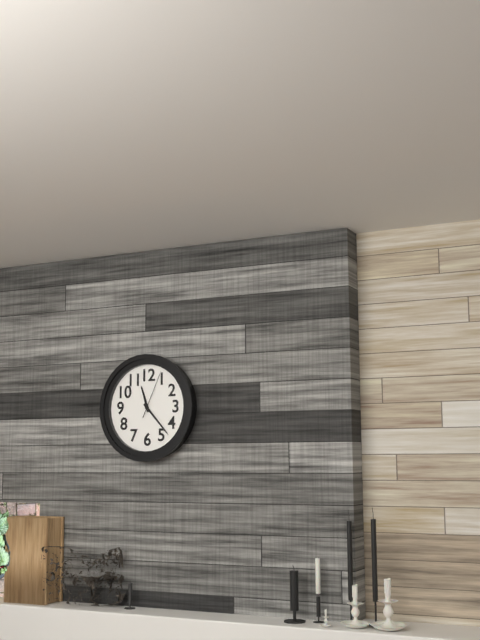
11:23
